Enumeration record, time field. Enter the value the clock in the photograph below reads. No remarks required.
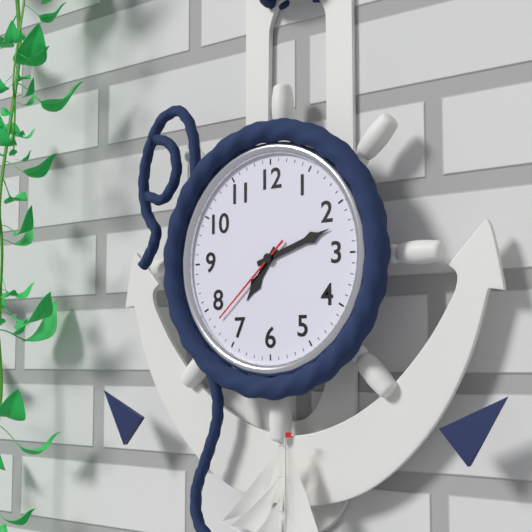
7:12:38
